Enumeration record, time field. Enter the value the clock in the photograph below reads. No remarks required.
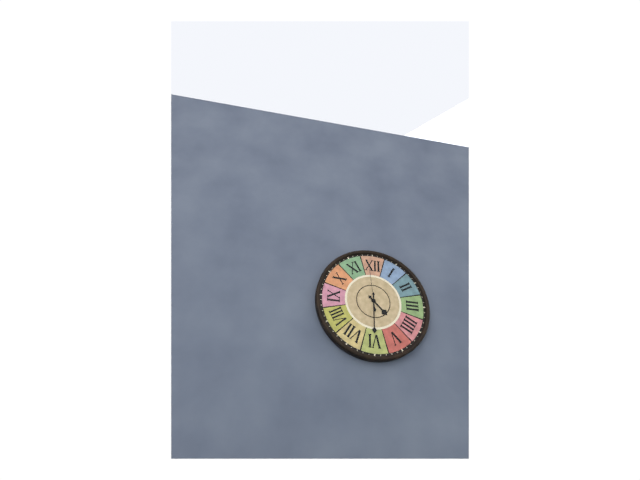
4:30
